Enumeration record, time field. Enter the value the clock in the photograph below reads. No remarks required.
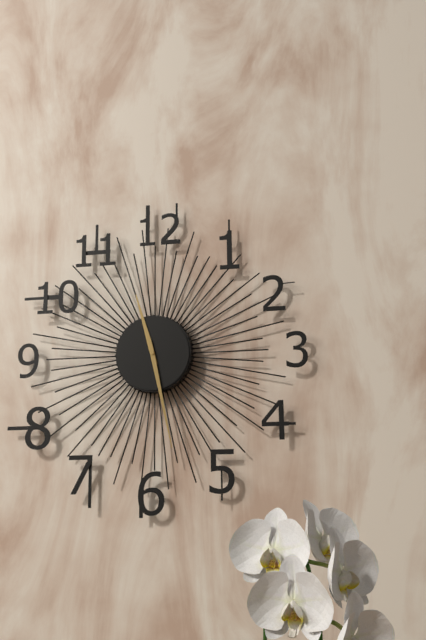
11:28
